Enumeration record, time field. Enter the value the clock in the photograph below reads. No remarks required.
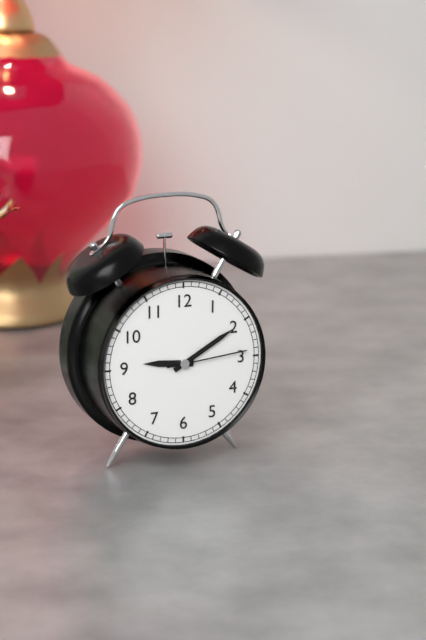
9:10:14
